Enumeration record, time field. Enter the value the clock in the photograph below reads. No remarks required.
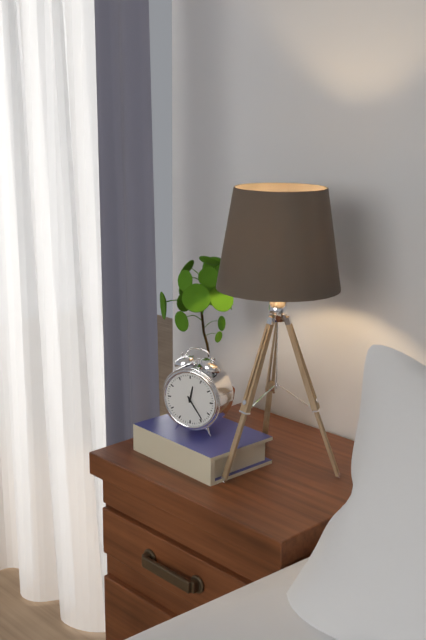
12:24
